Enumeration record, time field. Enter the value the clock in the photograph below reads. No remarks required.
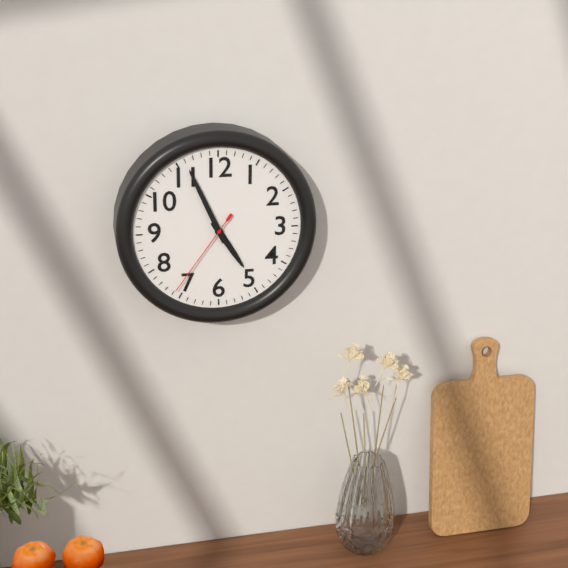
4:56:36
